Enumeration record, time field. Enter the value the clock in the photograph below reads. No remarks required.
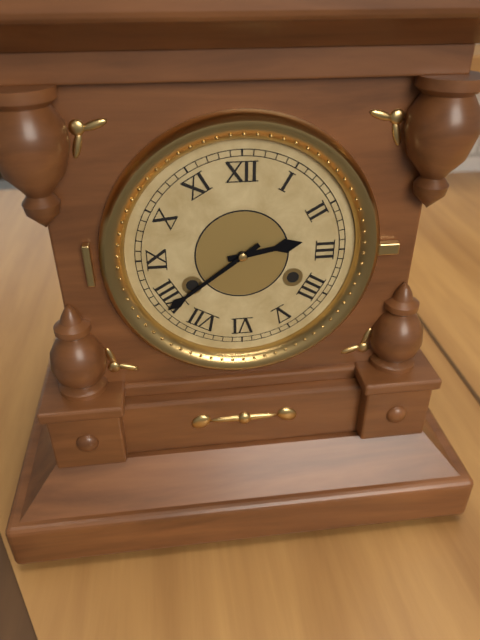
2:39
